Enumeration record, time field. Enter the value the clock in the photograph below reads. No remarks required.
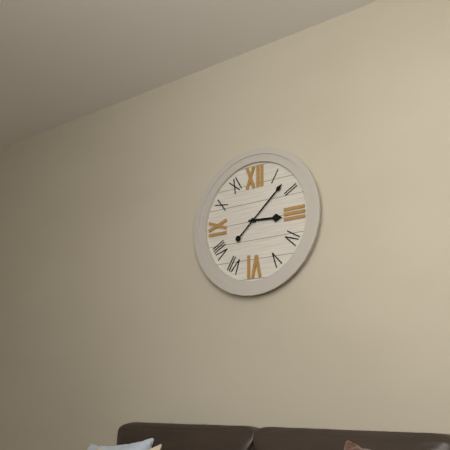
3:08
